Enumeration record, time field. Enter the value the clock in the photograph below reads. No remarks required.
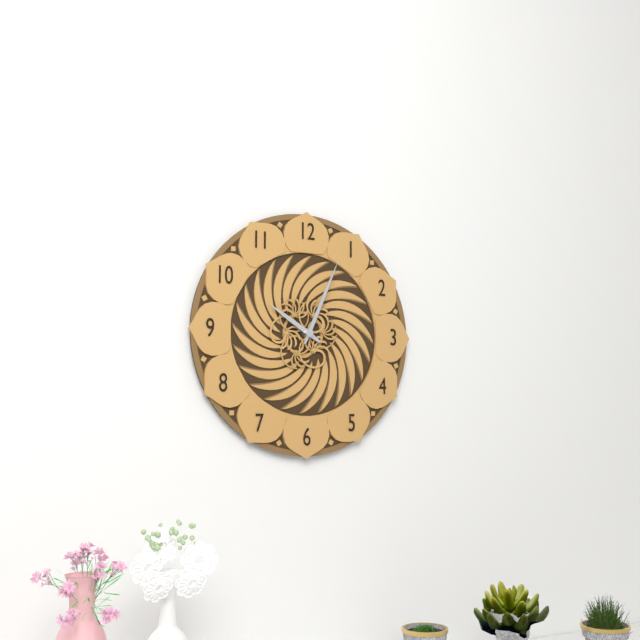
10:04
